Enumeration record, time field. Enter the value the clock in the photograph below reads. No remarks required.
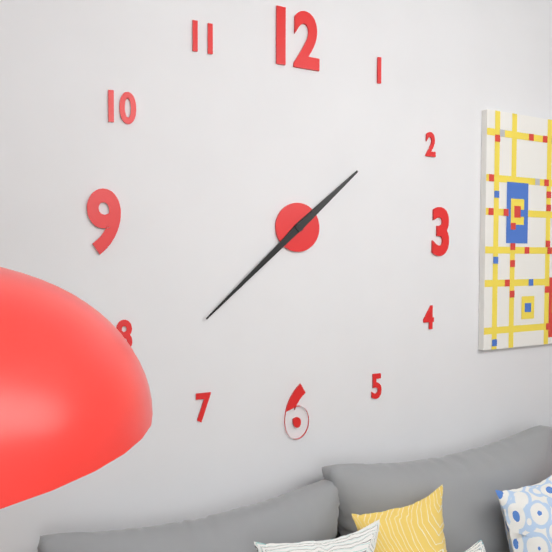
1:38
